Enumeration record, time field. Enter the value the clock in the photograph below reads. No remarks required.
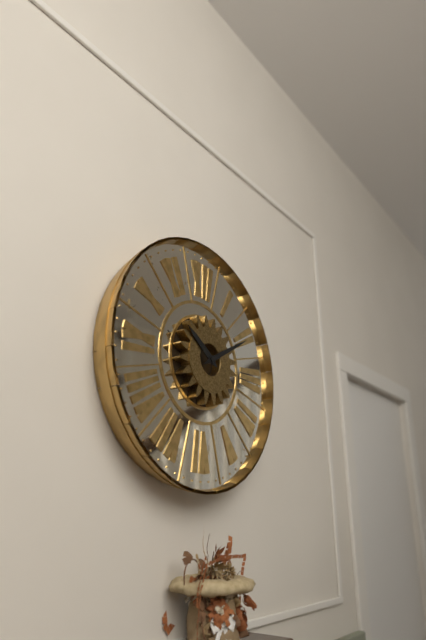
10:10
